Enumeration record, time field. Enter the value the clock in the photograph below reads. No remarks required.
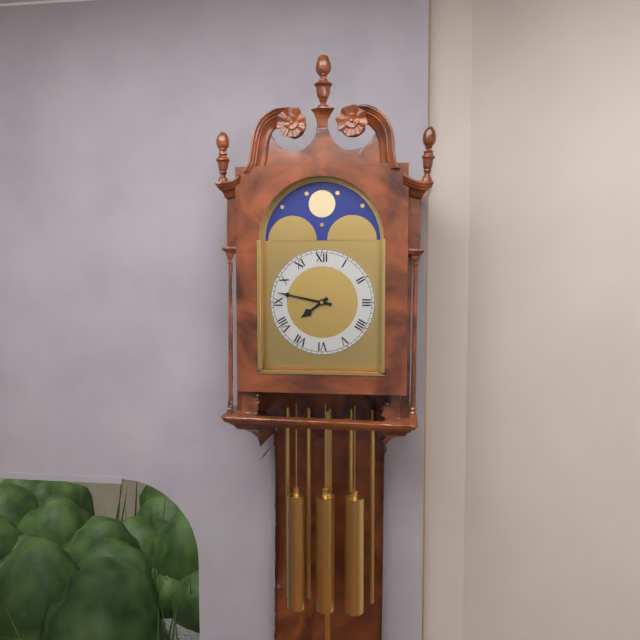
7:47
